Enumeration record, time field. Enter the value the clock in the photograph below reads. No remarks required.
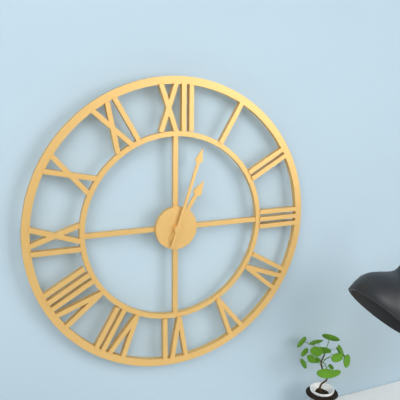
1:03
